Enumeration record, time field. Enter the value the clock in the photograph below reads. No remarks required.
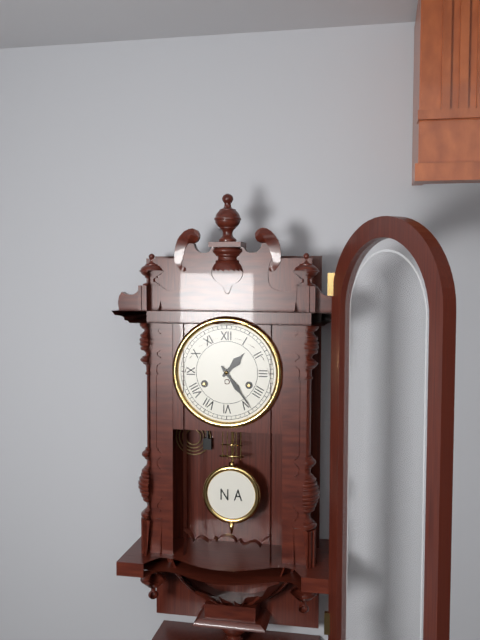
1:24
